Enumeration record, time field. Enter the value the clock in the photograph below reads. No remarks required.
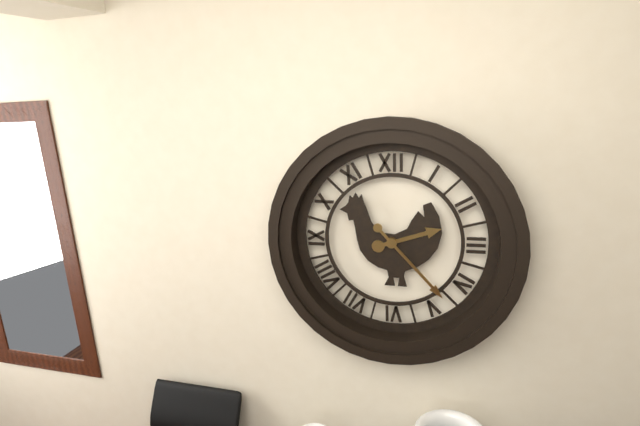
2:23
